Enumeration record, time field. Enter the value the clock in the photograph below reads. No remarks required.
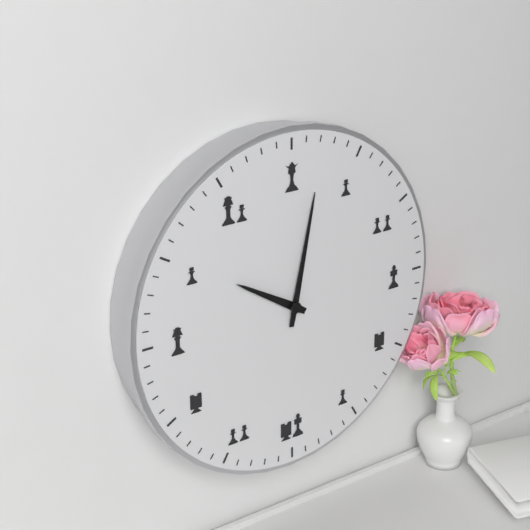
10:02
